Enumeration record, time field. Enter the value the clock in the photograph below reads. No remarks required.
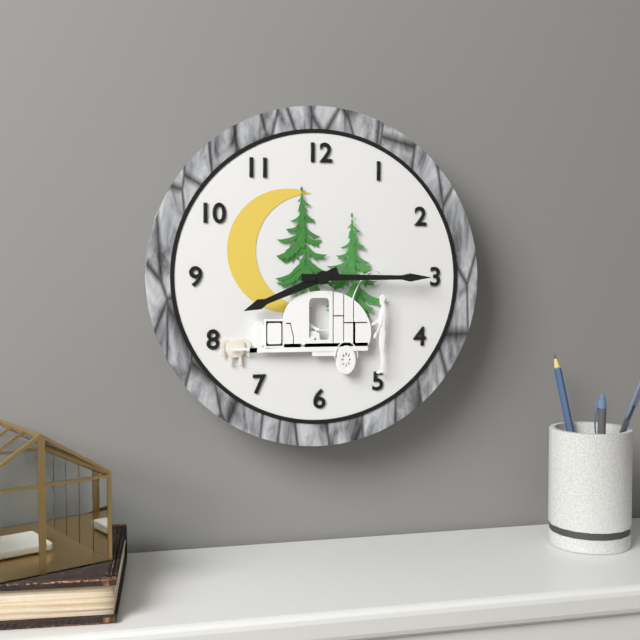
8:15
